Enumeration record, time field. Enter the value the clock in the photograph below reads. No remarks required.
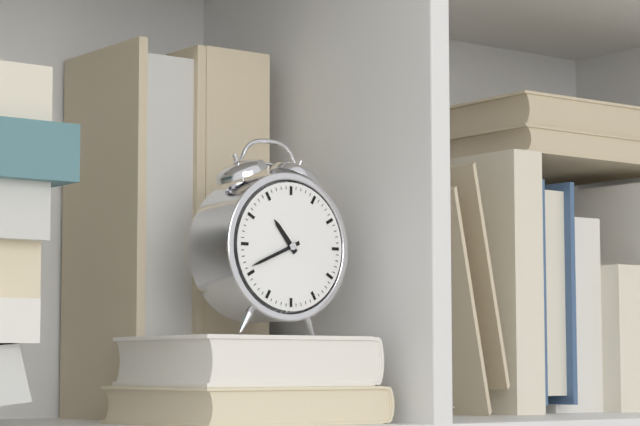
10:41
